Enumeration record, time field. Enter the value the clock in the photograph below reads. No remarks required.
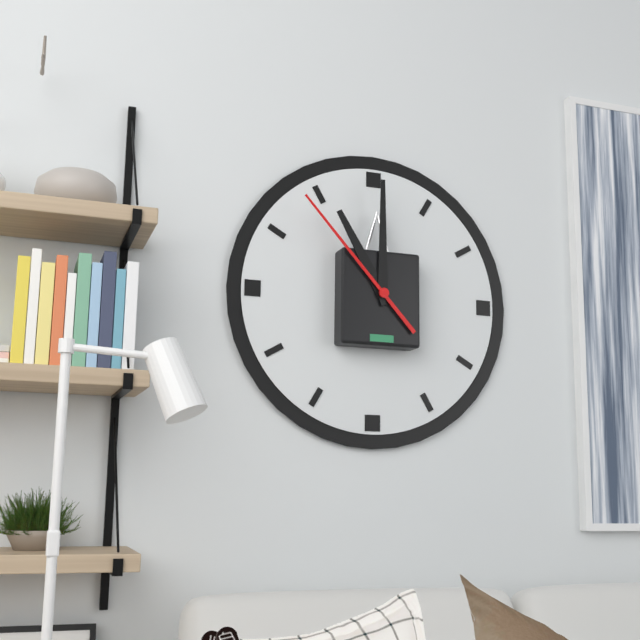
11:00:53
